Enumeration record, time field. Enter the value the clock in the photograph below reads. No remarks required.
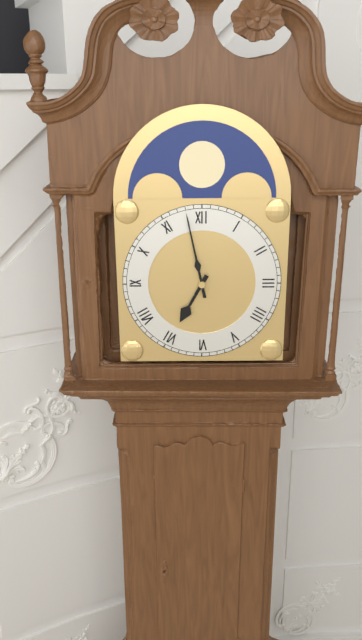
6:58
